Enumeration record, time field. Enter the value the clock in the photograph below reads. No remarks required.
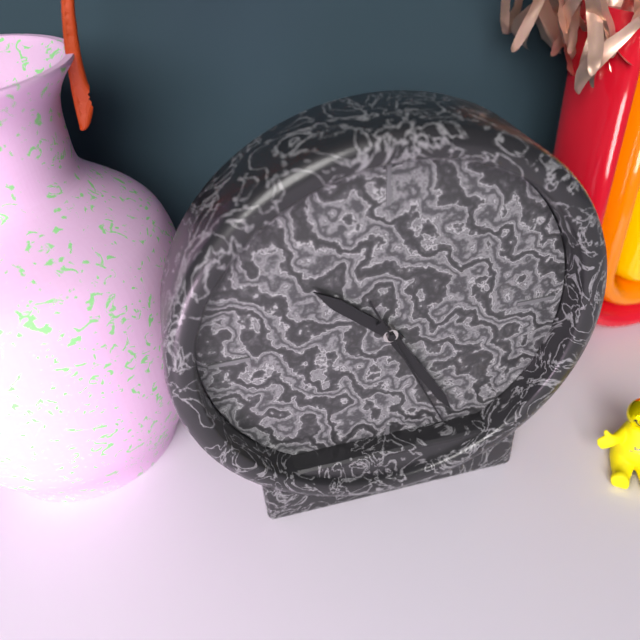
10:25:26
